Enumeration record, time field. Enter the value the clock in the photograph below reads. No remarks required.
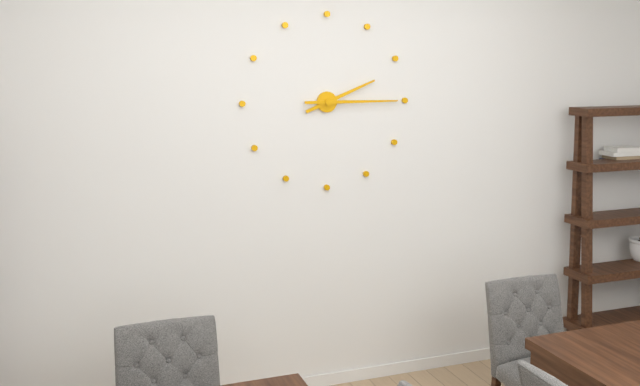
2:15
